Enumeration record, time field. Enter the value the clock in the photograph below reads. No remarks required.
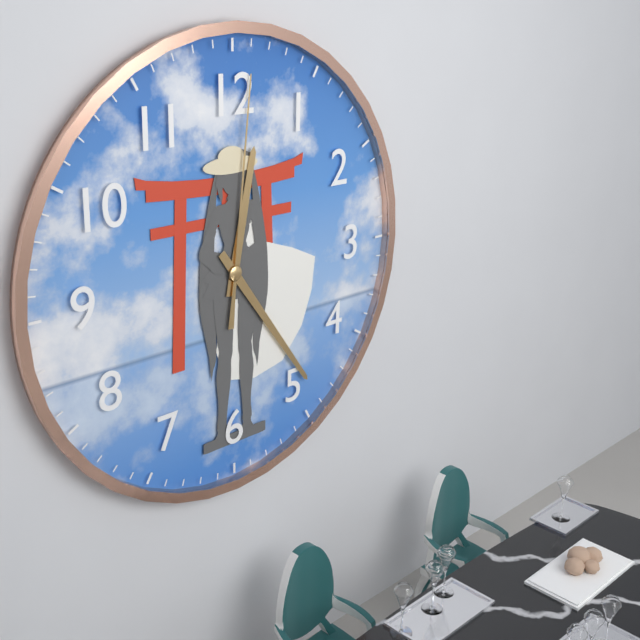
12:24:01
